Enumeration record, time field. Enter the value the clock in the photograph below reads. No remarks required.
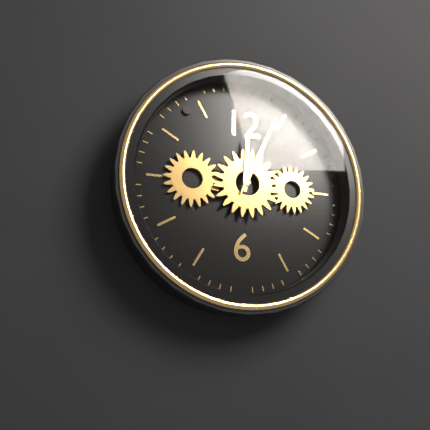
12:04
